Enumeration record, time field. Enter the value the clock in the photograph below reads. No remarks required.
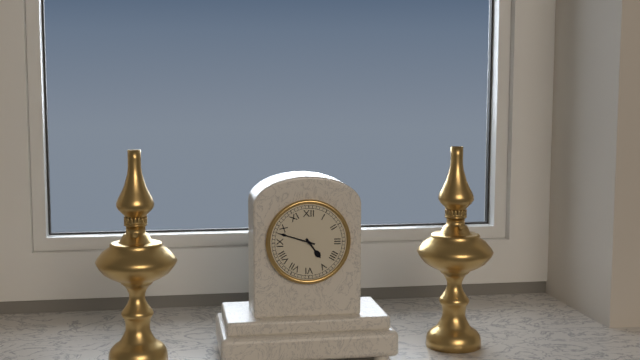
4:48
